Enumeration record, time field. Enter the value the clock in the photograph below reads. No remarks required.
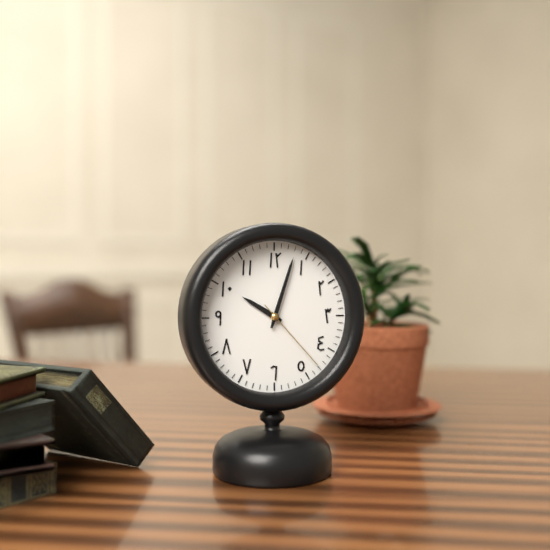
10:03:23
